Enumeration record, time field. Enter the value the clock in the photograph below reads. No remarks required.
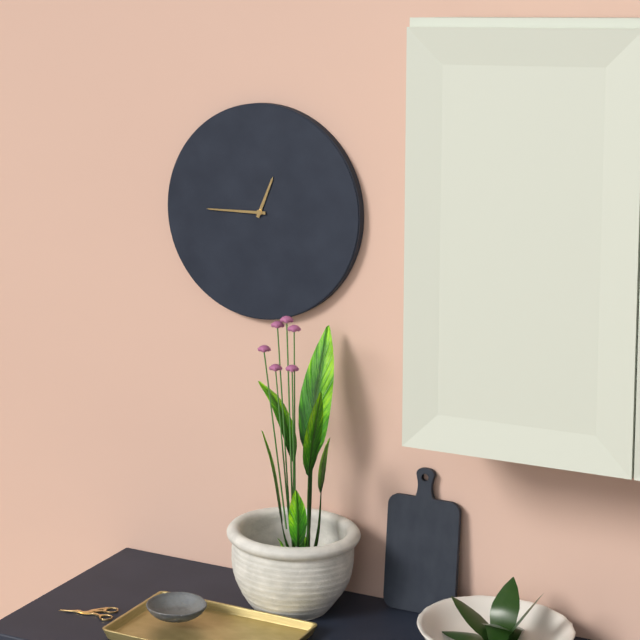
12:45
